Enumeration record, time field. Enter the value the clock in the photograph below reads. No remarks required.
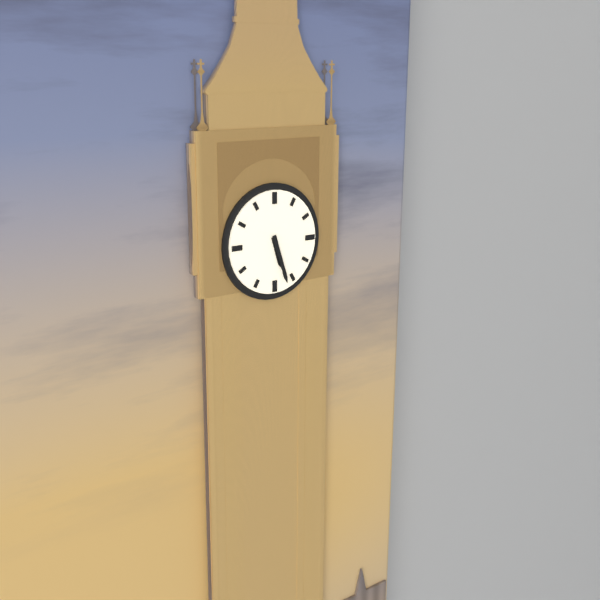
5:27
